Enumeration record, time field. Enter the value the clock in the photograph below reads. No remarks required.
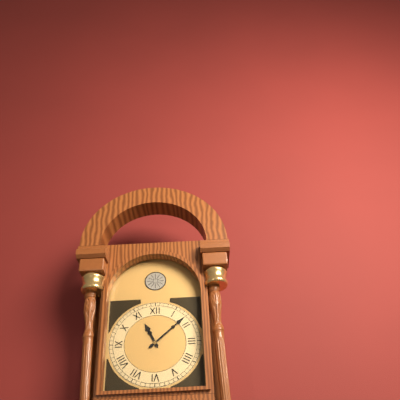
11:08
